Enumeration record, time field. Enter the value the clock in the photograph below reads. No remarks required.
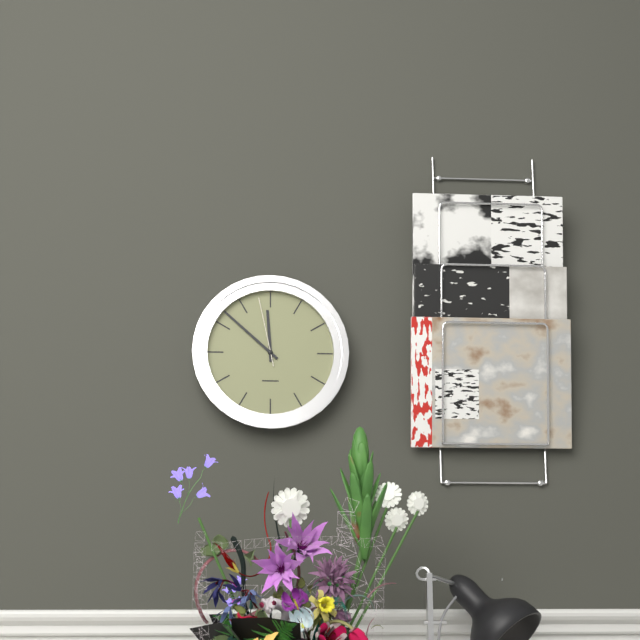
11:52:58
